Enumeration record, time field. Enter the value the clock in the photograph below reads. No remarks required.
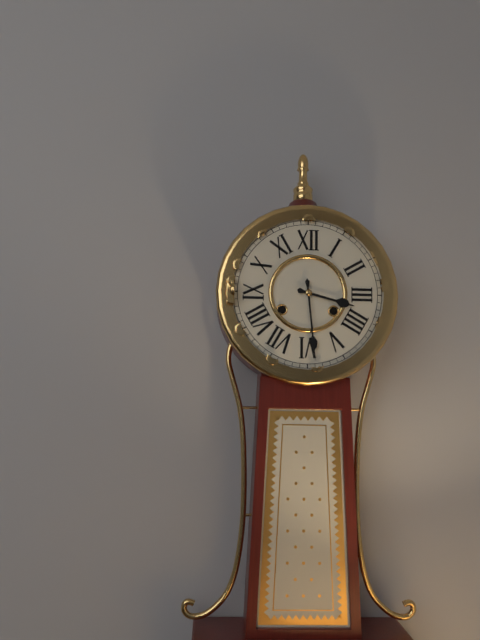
3:29
